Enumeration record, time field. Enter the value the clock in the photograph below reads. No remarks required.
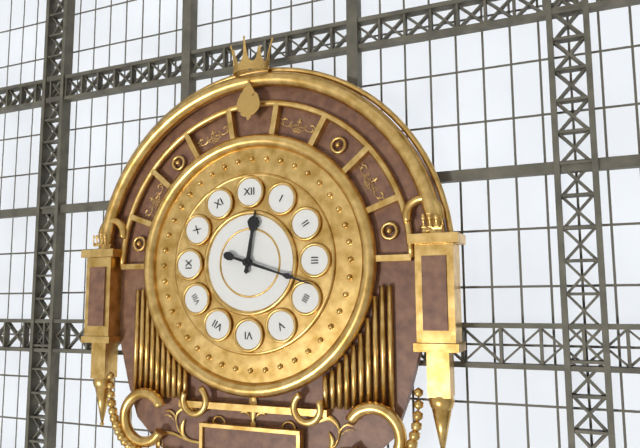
12:18
